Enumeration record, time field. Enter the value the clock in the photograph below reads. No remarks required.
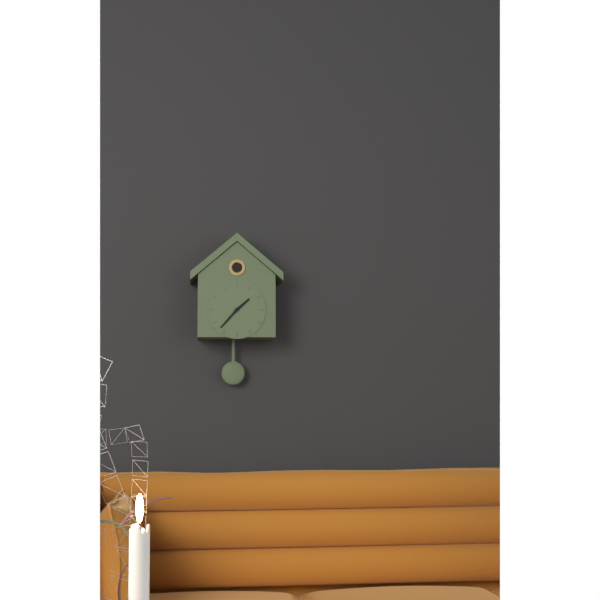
1:37
